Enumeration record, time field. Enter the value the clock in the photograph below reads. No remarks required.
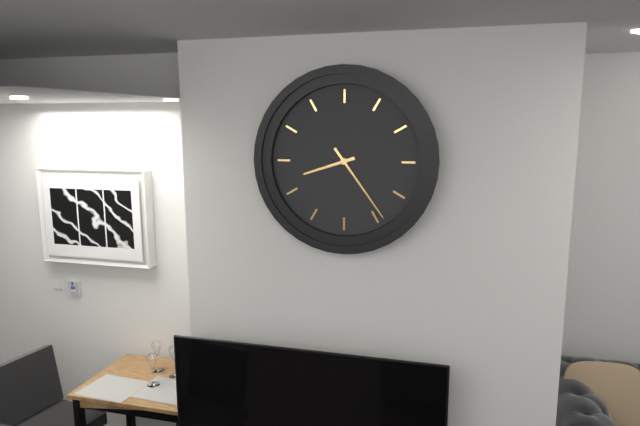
8:24
